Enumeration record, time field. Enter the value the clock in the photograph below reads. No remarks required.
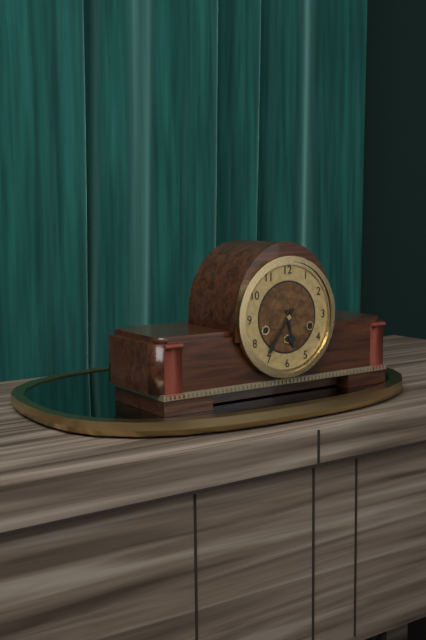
5:36
